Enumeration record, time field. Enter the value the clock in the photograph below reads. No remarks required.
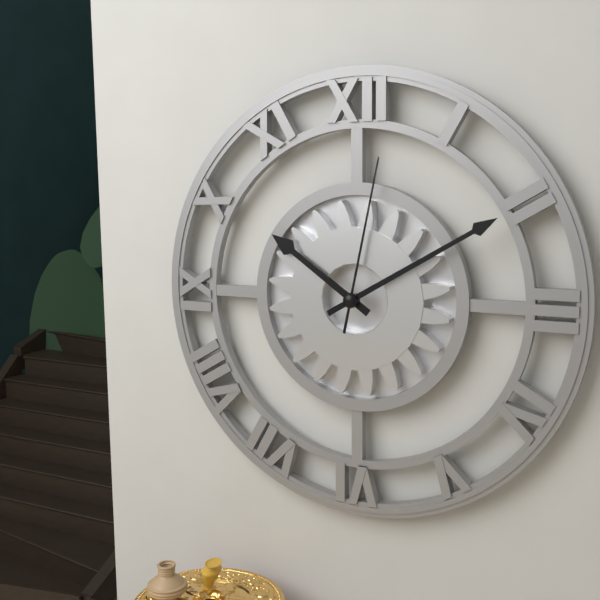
10:10:02
